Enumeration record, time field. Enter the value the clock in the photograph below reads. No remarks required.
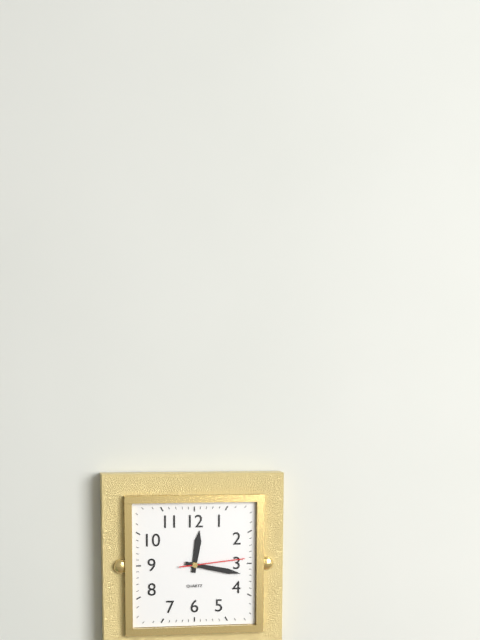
12:17:14
